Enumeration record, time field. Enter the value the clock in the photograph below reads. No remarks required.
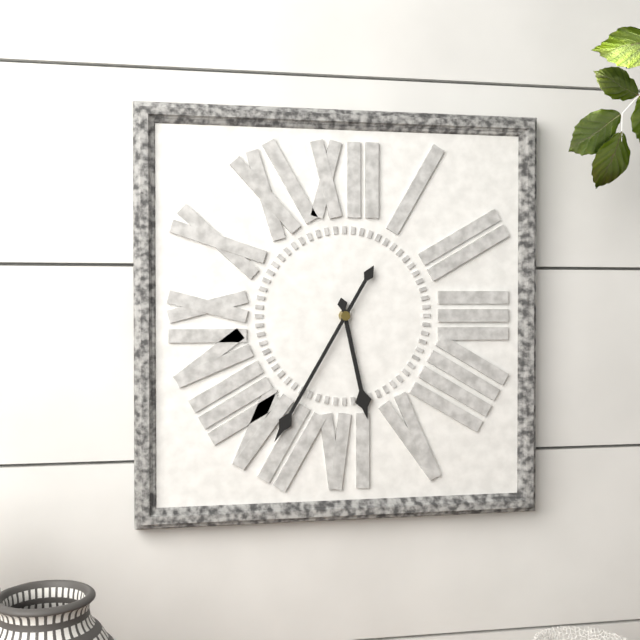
5:35
